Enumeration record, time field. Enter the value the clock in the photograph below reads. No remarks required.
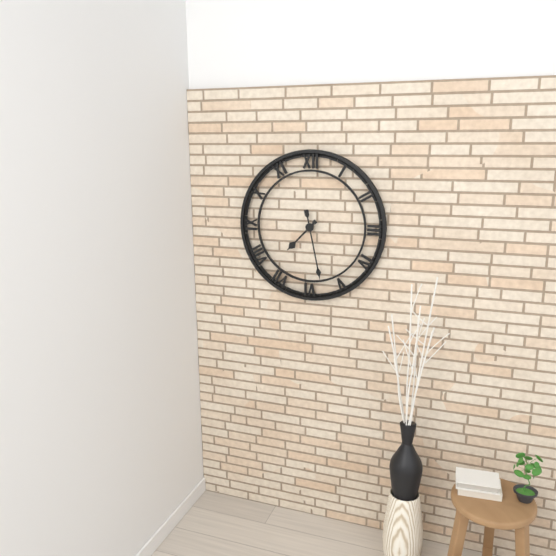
7:28
